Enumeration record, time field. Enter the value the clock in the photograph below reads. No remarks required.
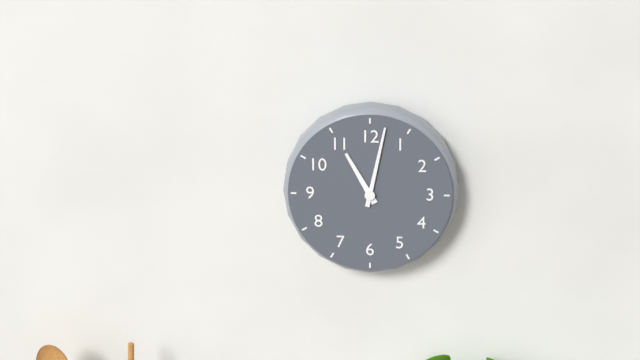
11:02
